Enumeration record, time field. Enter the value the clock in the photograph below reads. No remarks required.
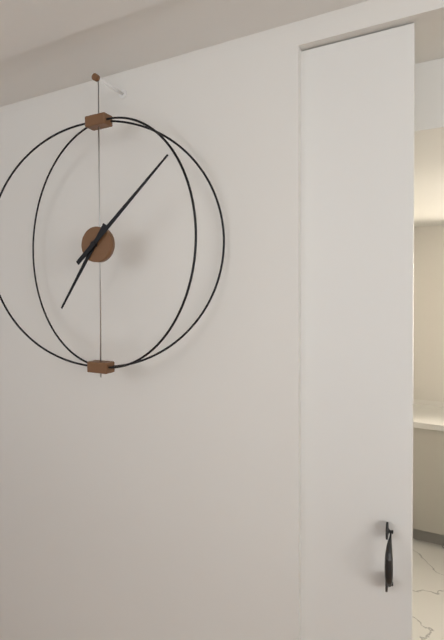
7:08
